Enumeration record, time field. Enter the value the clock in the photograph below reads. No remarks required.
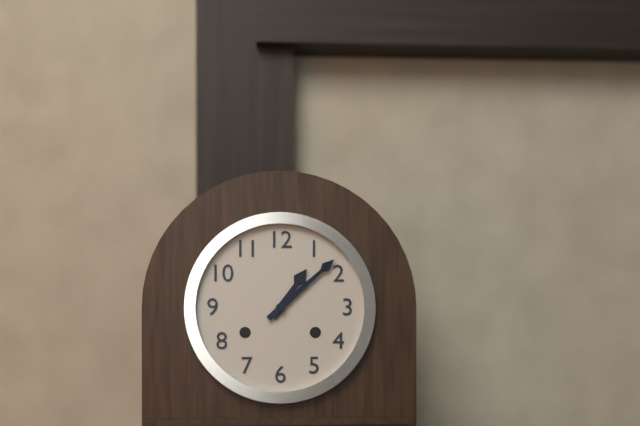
1:08
